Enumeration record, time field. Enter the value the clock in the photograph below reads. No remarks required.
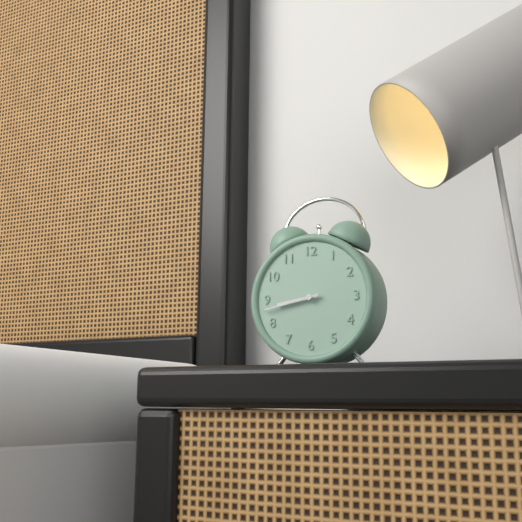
8:43
